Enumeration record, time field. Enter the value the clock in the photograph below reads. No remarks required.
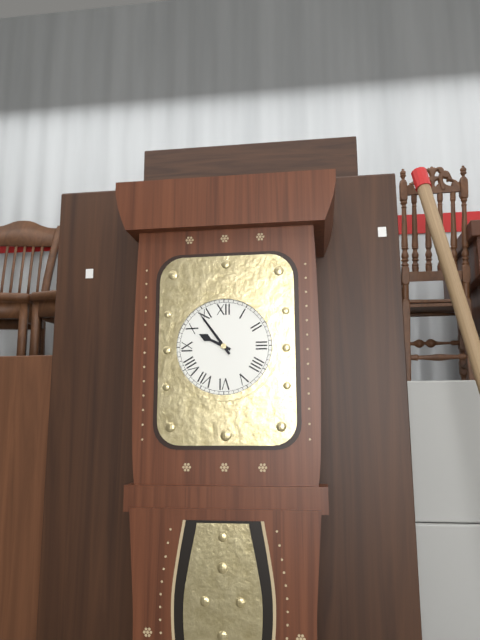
9:54
